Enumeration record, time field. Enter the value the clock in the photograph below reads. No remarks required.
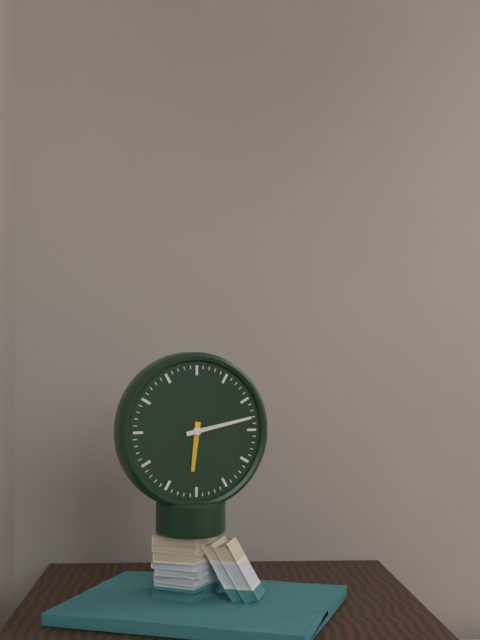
6:13
